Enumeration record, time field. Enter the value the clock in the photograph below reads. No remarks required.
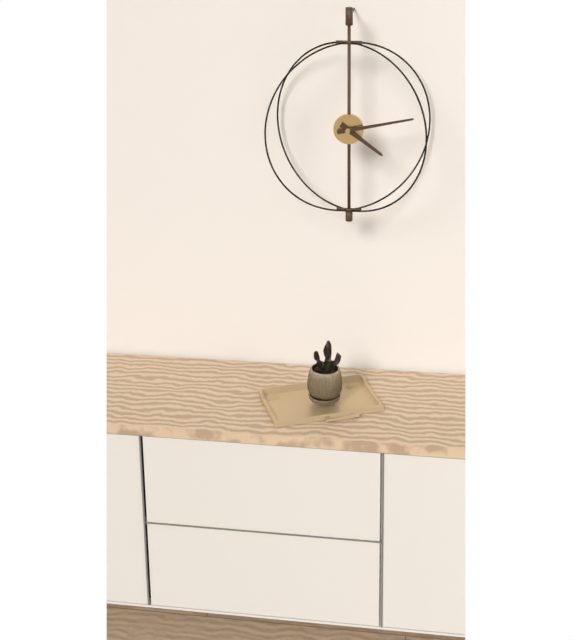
4:13
